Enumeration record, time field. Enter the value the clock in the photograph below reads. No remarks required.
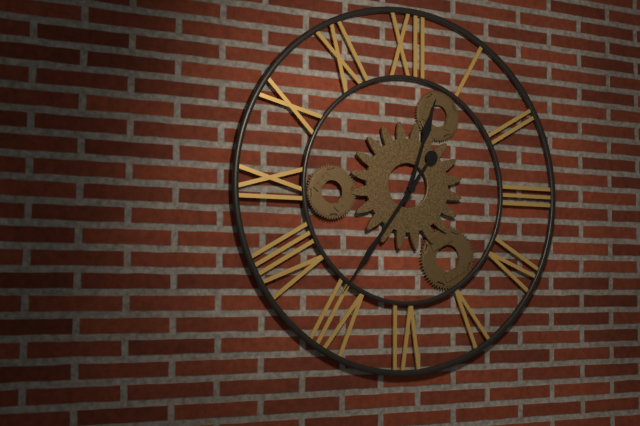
12:36
